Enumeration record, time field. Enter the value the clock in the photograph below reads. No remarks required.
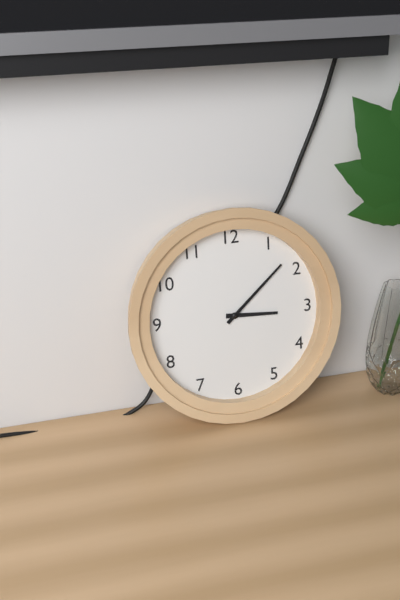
3:08
